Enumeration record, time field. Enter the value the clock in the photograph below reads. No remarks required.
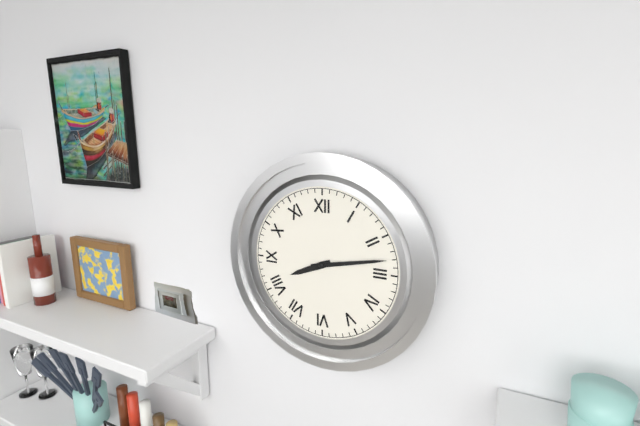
8:13
